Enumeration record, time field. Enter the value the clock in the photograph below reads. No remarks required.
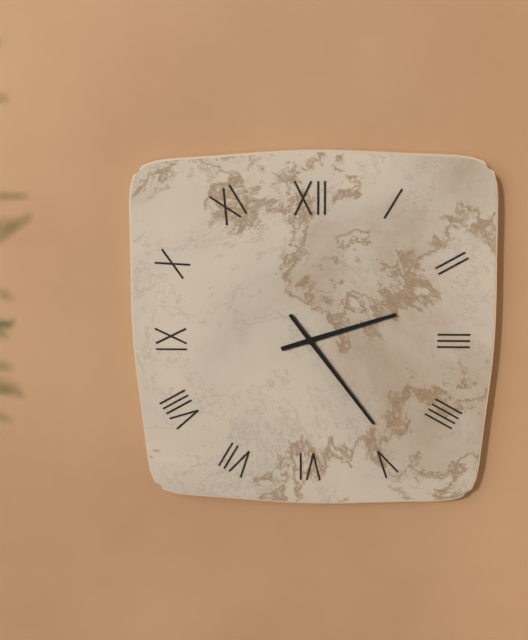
2:24
